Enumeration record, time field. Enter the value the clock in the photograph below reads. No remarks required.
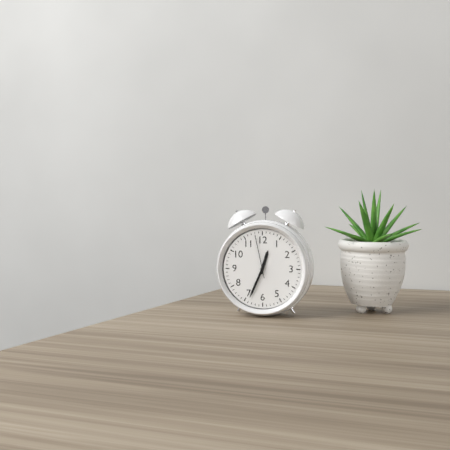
12:34
